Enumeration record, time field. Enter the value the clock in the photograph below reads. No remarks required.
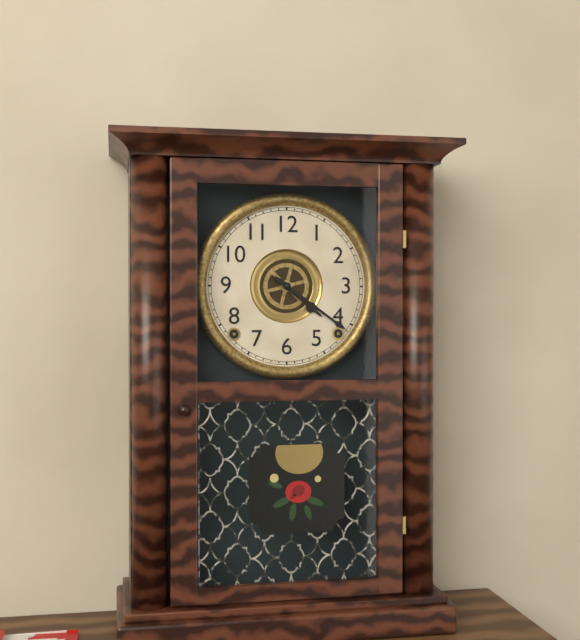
4:21
